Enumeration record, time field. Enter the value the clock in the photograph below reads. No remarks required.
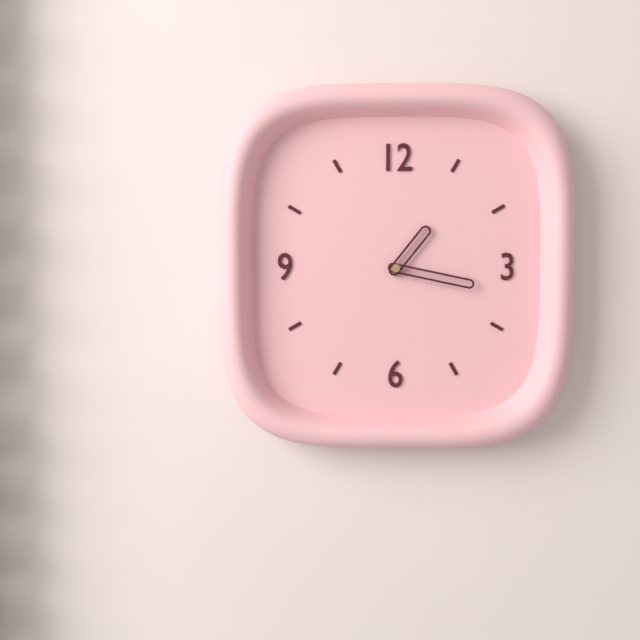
1:17
